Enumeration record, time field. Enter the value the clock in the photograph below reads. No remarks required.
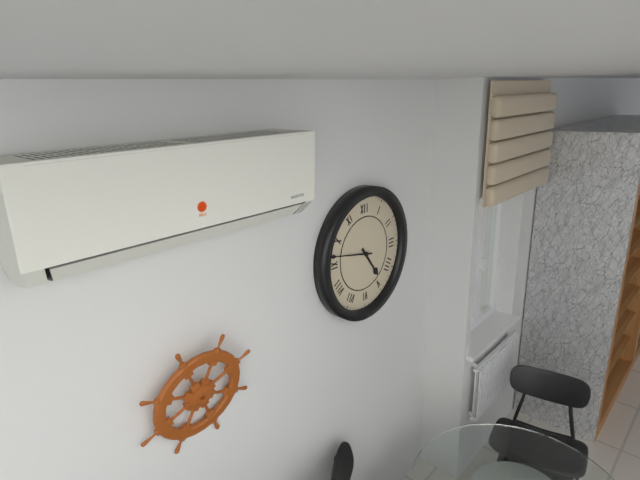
4:47
